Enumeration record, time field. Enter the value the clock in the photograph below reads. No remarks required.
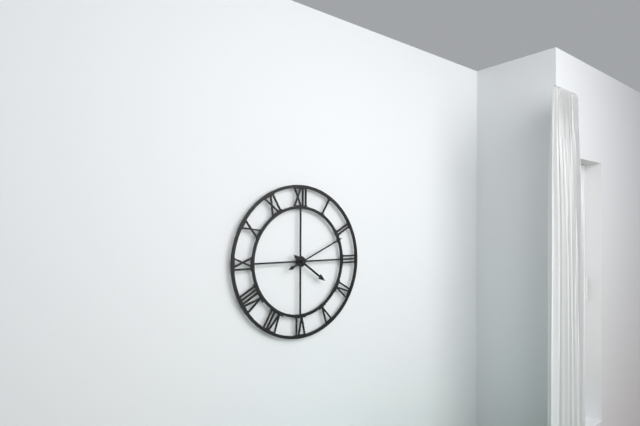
4:11
